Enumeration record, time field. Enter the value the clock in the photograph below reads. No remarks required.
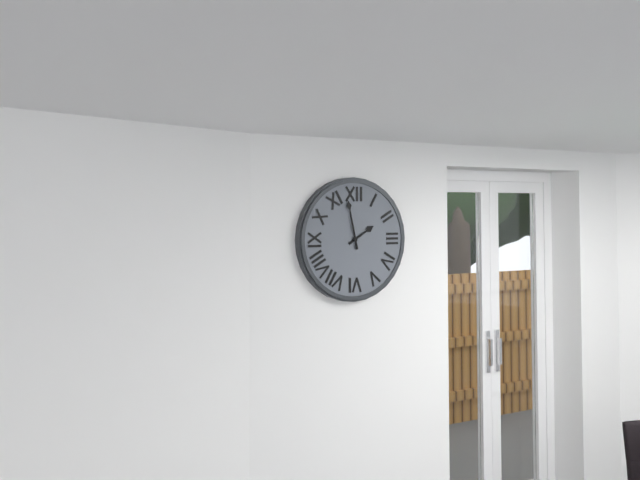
1:58
